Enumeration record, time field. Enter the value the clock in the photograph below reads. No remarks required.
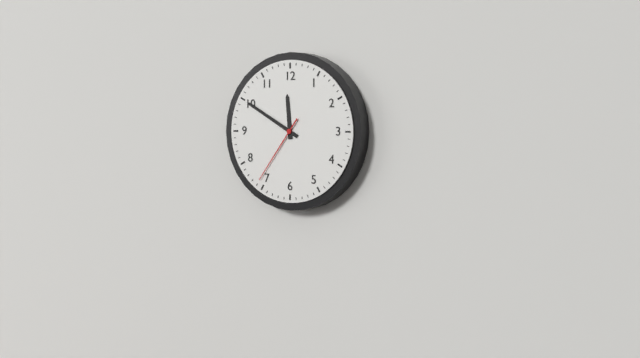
11:50:36
